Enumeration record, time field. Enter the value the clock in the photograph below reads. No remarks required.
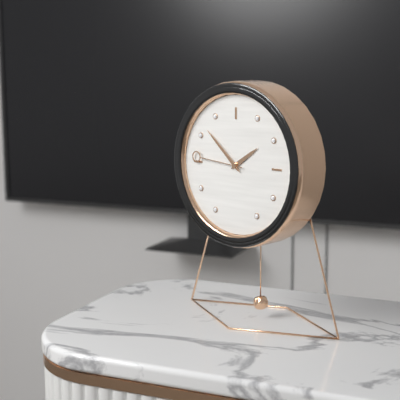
1:52:46
